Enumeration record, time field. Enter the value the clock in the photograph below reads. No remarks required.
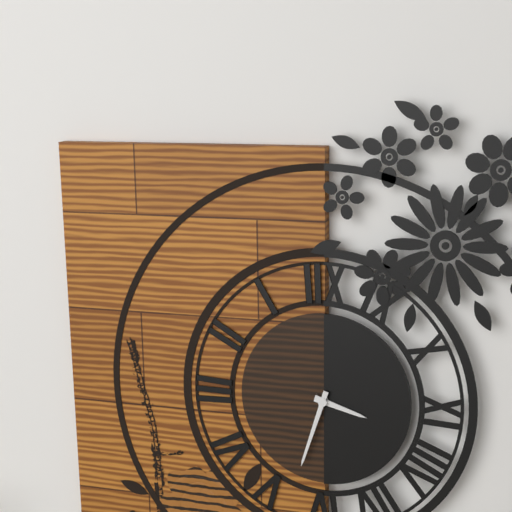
3:33
